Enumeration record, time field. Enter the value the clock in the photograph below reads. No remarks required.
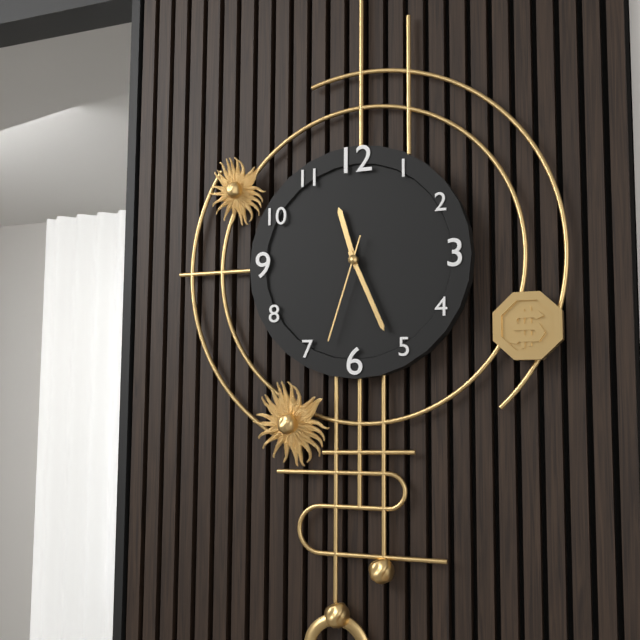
11:26:33
